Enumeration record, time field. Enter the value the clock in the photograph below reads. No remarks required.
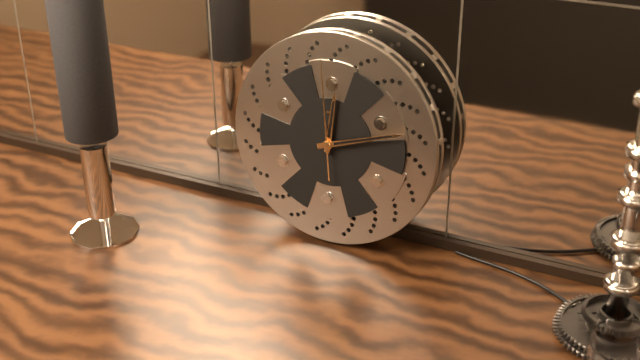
12:12:59
